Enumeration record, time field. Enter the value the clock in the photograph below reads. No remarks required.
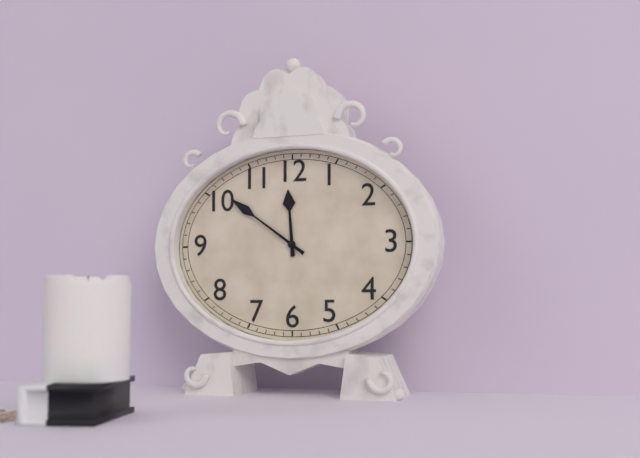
11:51
